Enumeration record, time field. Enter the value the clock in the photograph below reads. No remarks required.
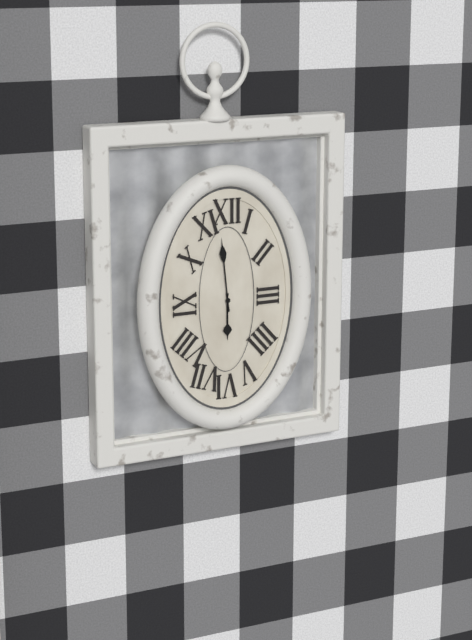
5:59
